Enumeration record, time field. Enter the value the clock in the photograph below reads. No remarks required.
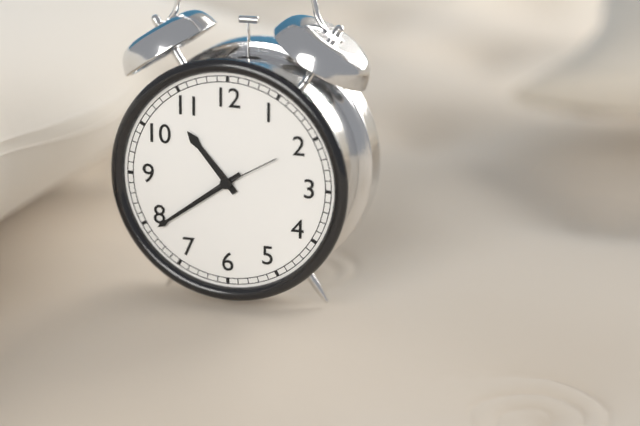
10:39:10
